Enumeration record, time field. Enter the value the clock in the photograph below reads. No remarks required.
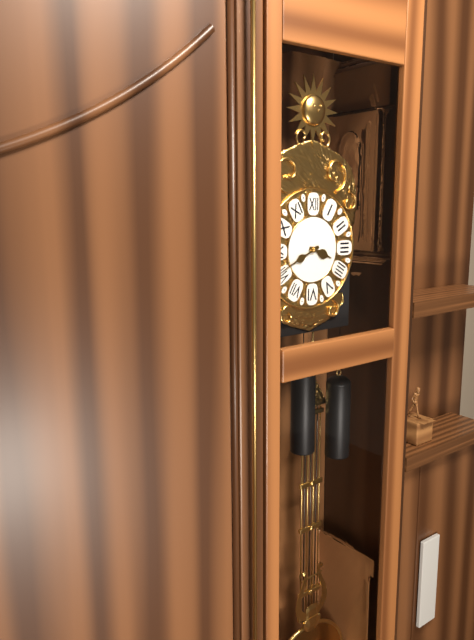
3:41
